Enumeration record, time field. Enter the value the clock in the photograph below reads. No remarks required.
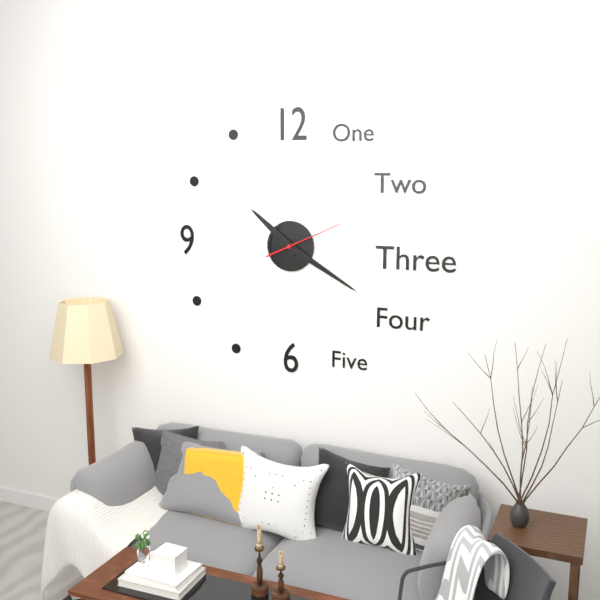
10:20:11
